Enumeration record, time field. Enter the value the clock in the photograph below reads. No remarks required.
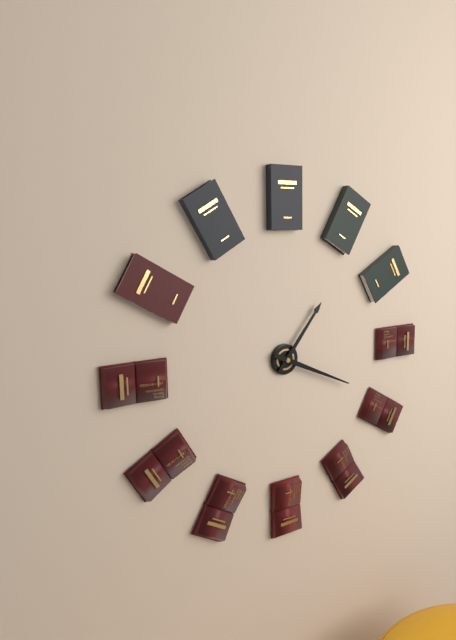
1:19
